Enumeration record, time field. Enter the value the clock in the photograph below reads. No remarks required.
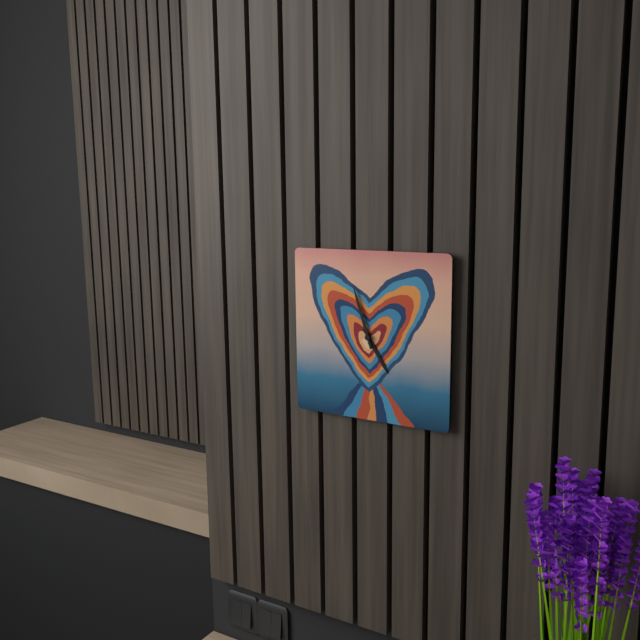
4:57
